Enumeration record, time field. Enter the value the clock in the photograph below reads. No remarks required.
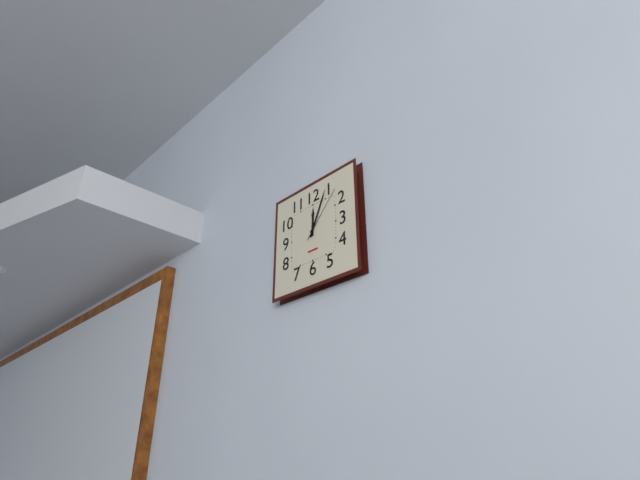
12:04:07
